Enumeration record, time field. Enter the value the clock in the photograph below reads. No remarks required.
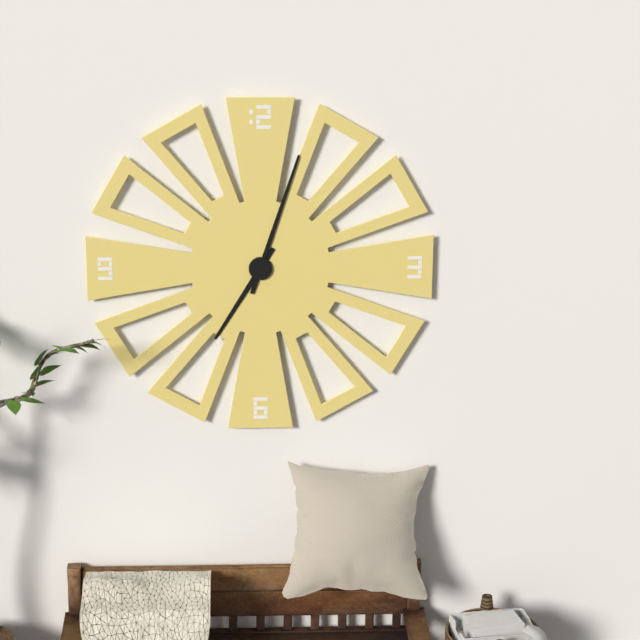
7:03
